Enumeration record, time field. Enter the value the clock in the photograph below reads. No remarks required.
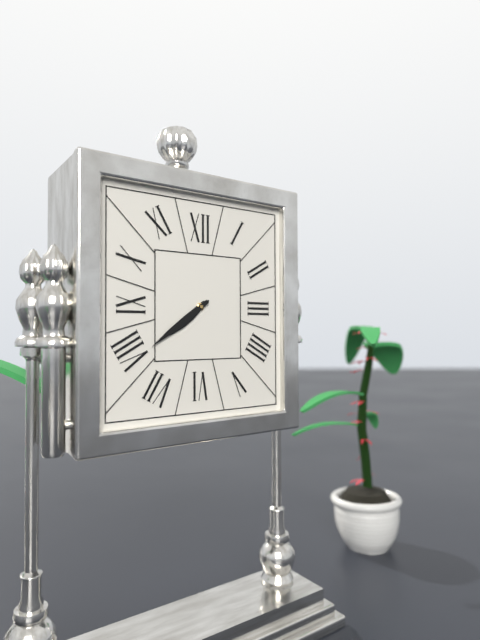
7:39
